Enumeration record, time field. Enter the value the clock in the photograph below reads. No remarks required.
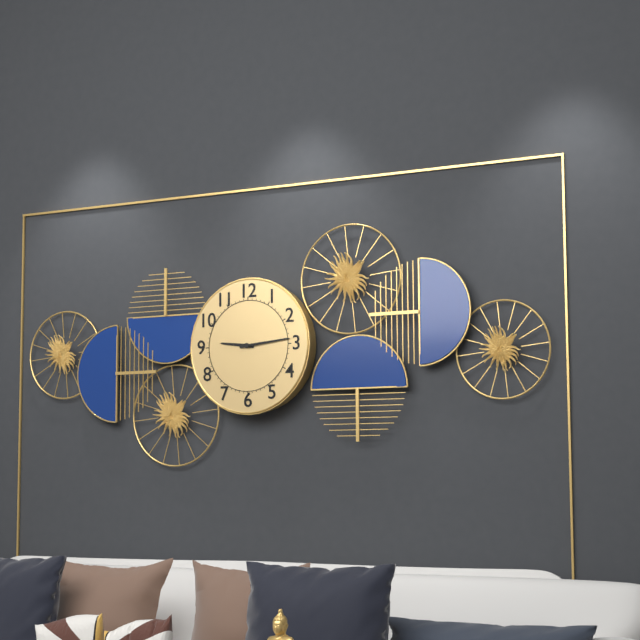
9:14
